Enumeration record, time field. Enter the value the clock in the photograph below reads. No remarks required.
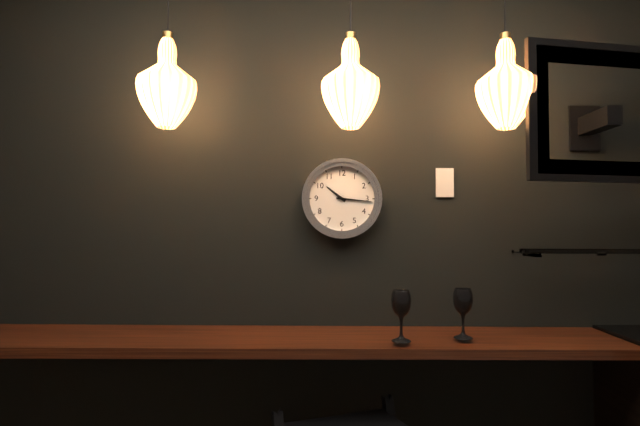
10:16
